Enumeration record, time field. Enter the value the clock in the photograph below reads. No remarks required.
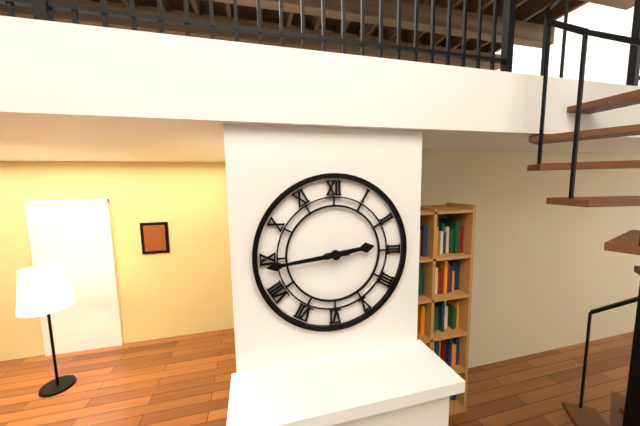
2:44
